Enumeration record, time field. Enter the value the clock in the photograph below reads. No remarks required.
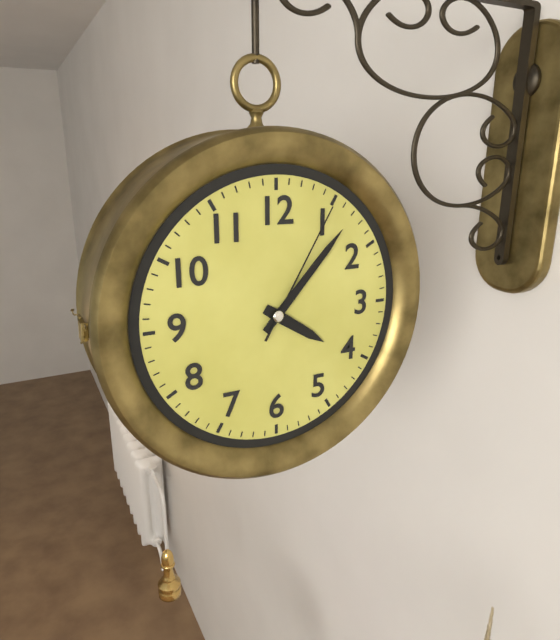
4:07:05
